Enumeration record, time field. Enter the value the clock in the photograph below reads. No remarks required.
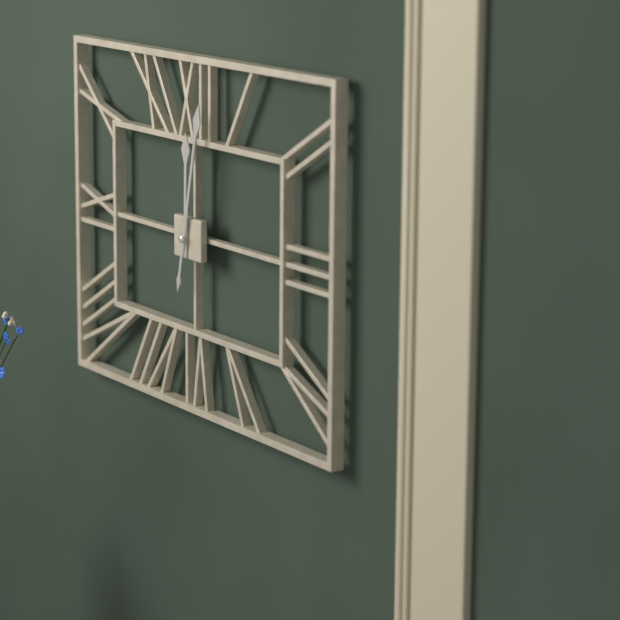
12:02
